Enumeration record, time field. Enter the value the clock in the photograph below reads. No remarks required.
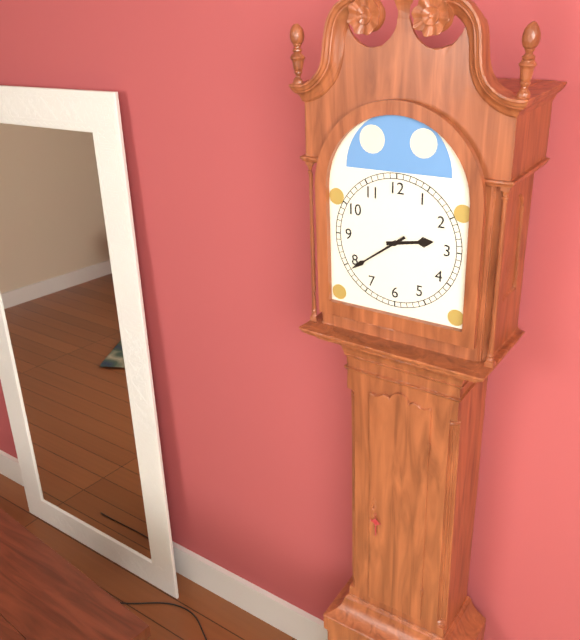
2:39
